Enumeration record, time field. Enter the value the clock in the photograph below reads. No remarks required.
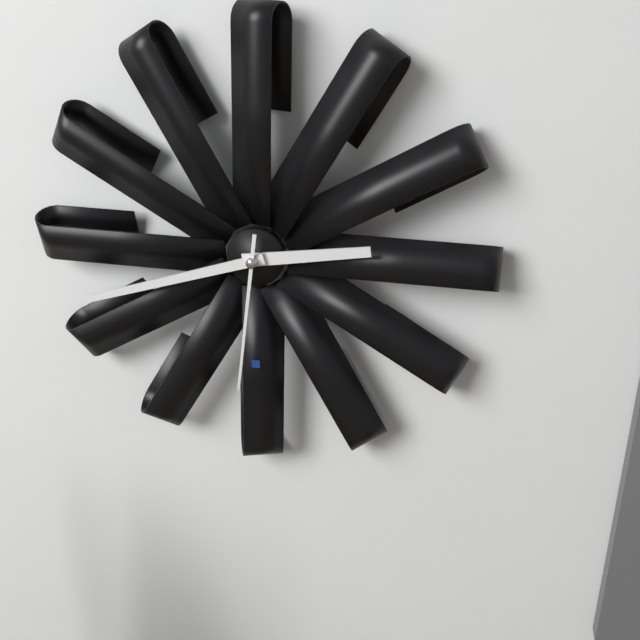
2:42:31
